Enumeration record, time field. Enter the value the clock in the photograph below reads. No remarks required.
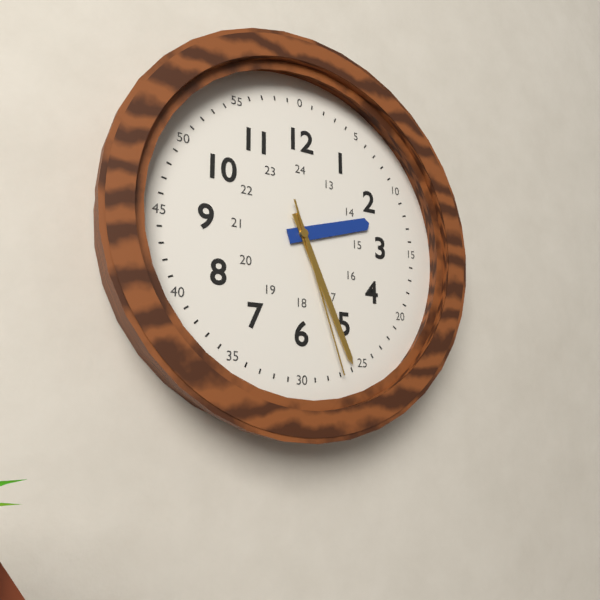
2:26:27
